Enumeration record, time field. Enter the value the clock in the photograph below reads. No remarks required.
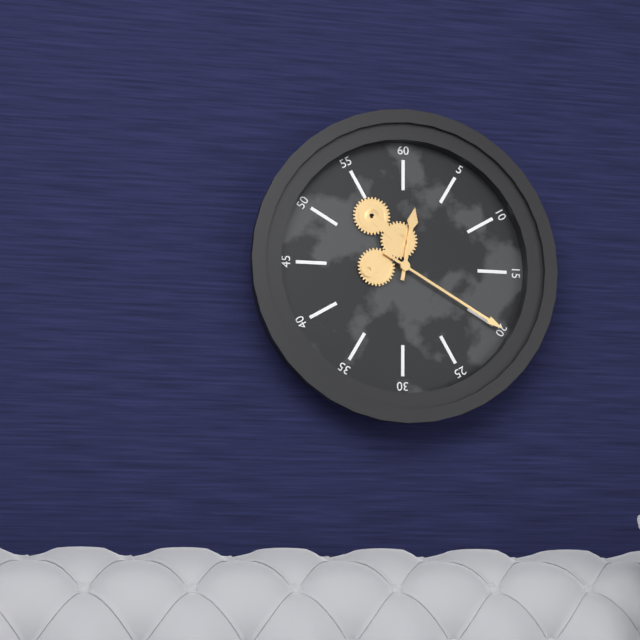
12:20
